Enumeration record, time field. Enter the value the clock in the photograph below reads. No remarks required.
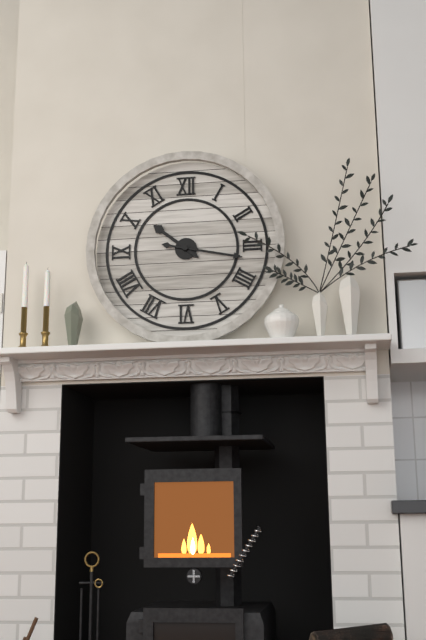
10:17
